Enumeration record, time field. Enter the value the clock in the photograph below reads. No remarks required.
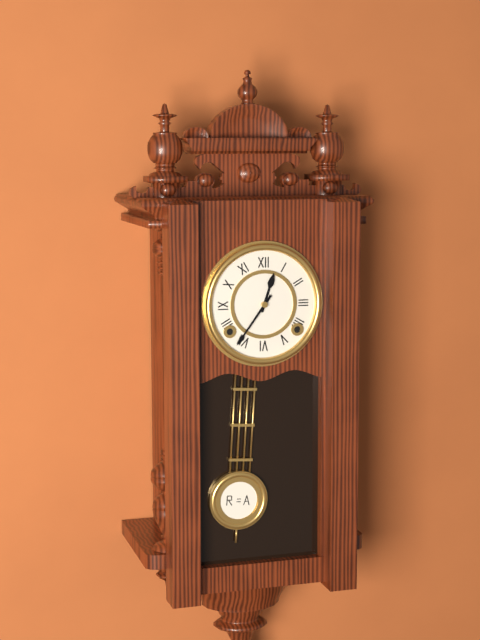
12:36
